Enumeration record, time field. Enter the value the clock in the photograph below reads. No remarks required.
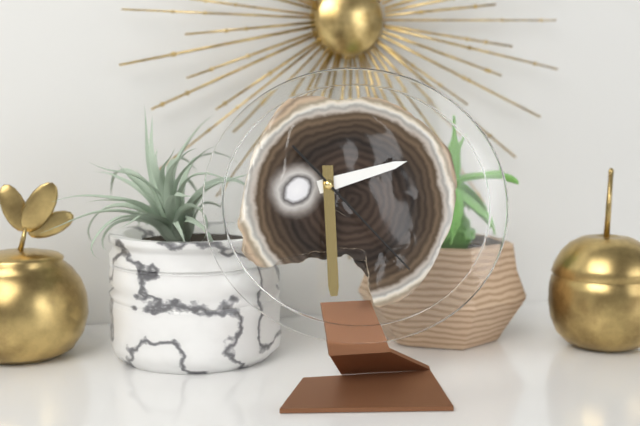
2:30:23
